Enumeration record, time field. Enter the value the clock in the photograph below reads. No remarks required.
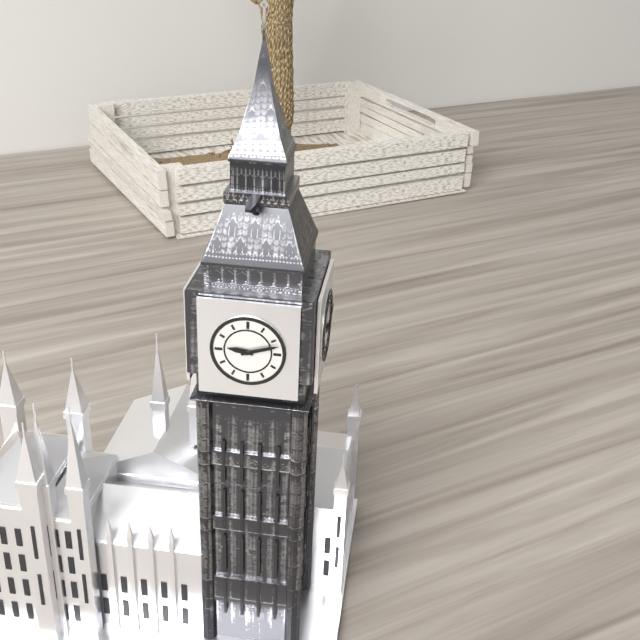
9:12
